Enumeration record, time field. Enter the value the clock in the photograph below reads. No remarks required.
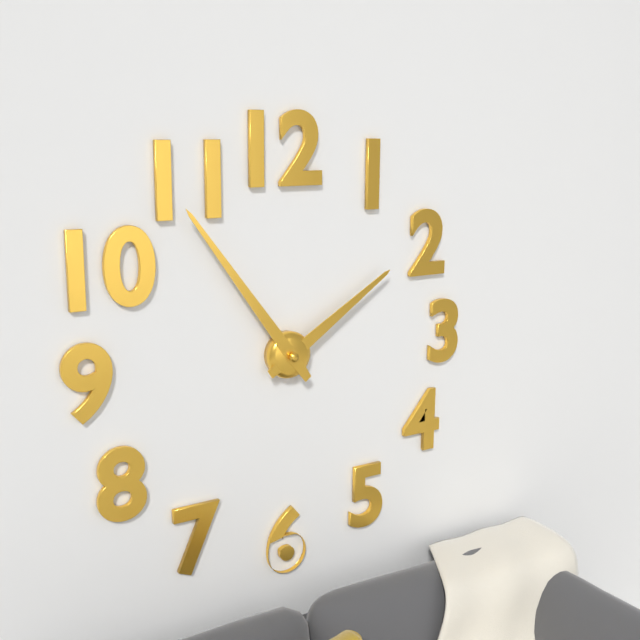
1:54
